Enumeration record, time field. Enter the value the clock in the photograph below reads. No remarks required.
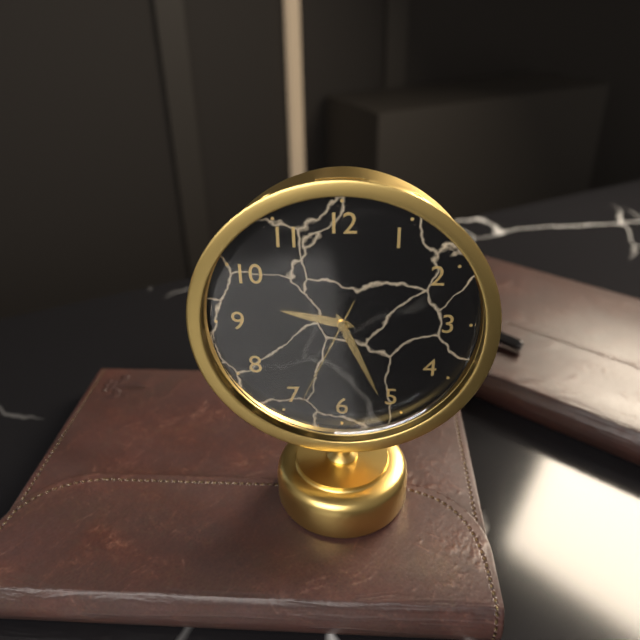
9:26:34
